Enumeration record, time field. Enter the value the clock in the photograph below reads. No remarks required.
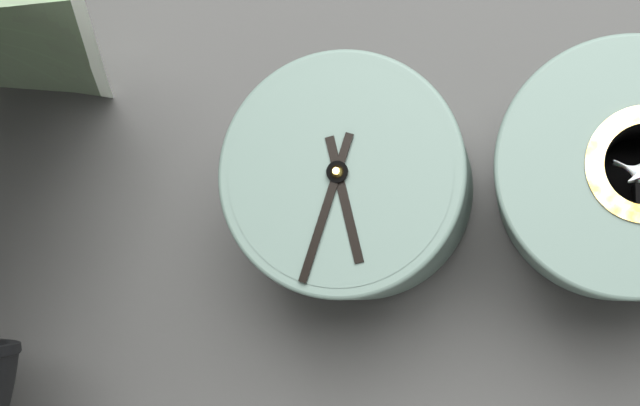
5:33
